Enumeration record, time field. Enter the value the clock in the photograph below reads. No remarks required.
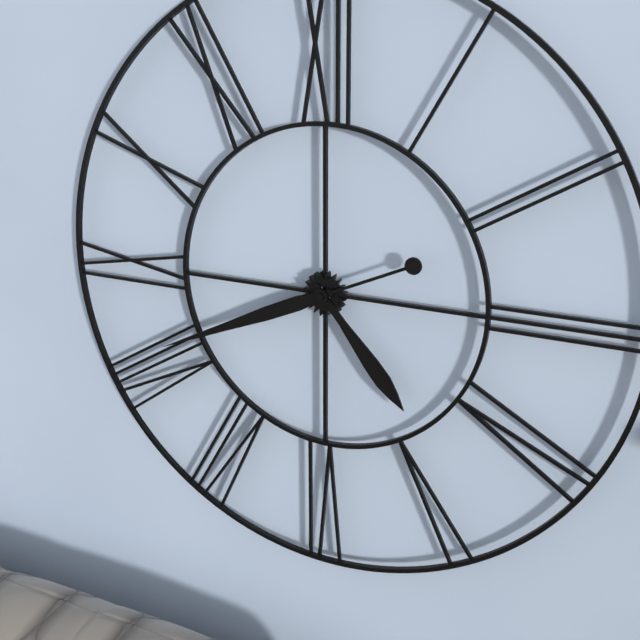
4:41
